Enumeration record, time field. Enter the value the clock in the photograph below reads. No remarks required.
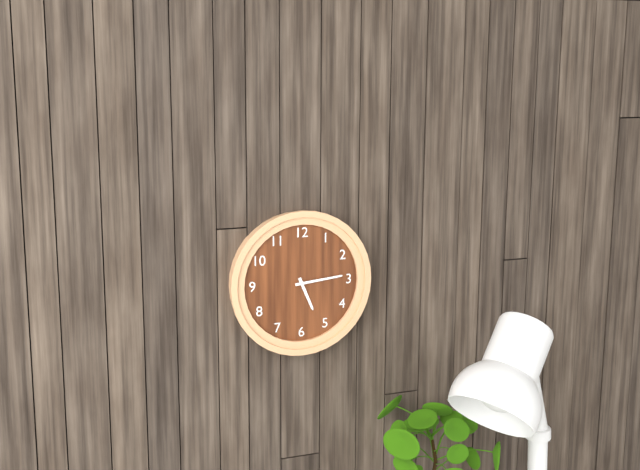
5:14
